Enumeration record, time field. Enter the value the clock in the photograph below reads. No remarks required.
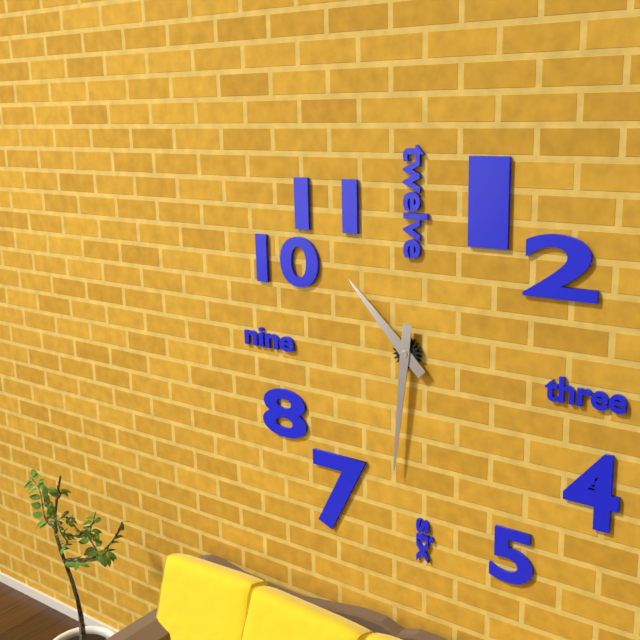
10:31
